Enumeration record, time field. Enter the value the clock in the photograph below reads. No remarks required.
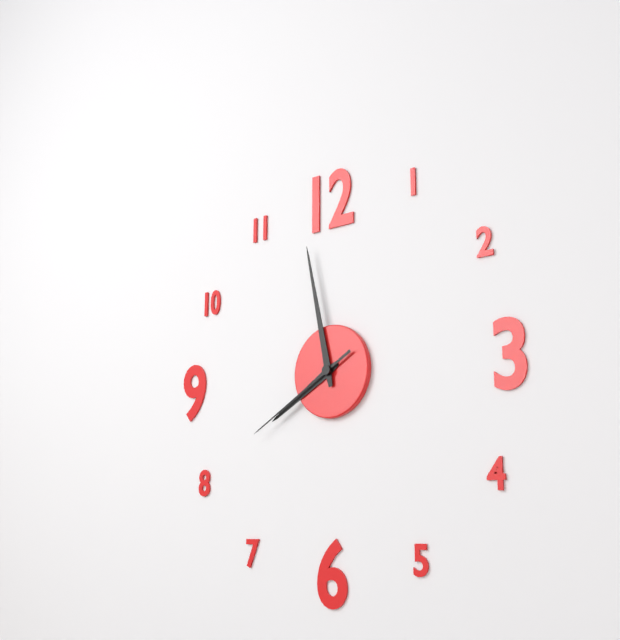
7:58:40
